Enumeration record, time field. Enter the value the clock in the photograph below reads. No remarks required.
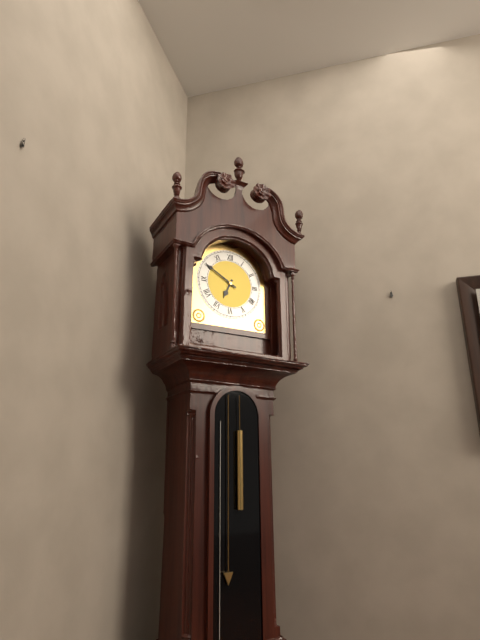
6:50
